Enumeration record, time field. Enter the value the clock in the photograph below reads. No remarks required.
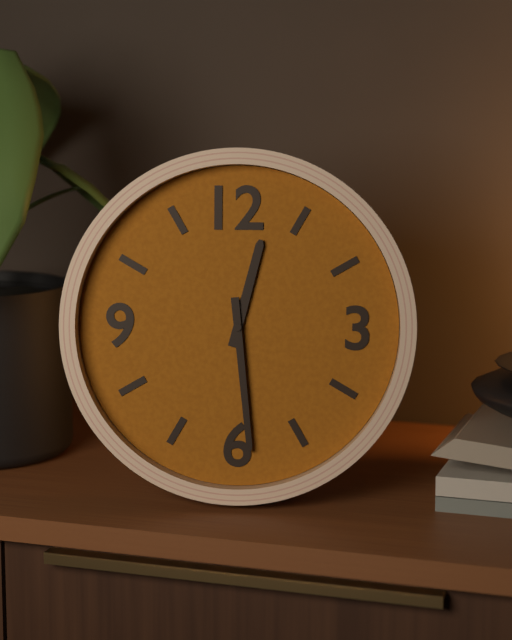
12:29
